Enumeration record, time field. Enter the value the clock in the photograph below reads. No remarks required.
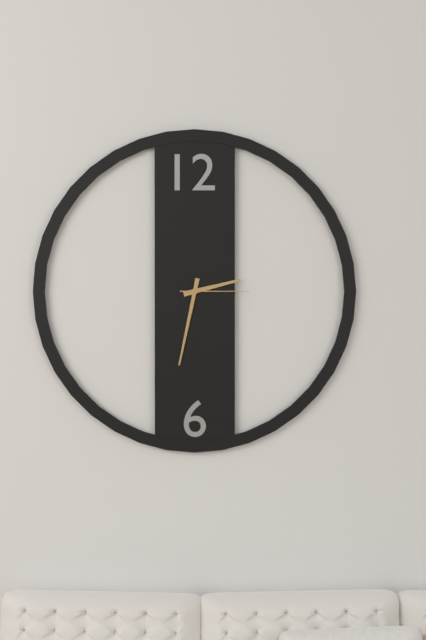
2:32:15
